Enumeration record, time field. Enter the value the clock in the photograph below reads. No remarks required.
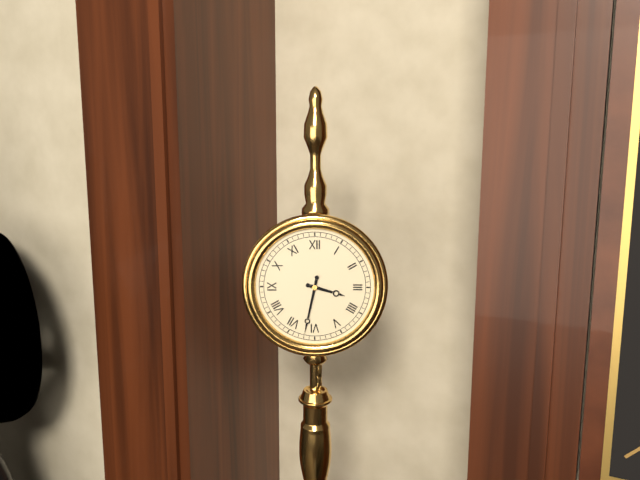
3:32
